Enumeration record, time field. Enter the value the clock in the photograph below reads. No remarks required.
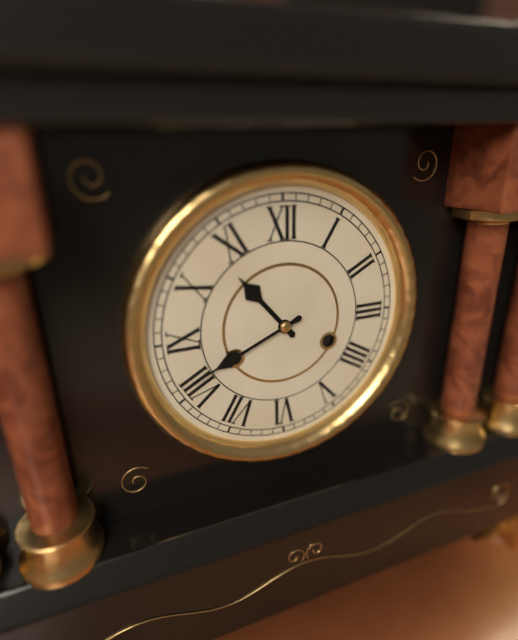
10:41
